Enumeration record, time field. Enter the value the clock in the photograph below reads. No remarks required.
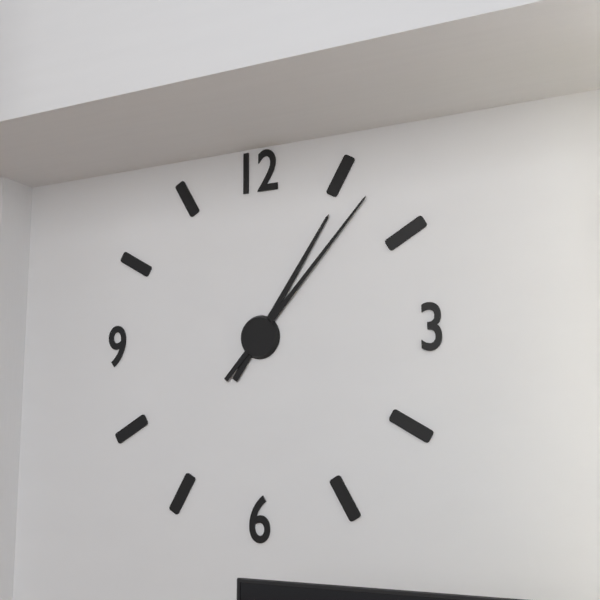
1:07
